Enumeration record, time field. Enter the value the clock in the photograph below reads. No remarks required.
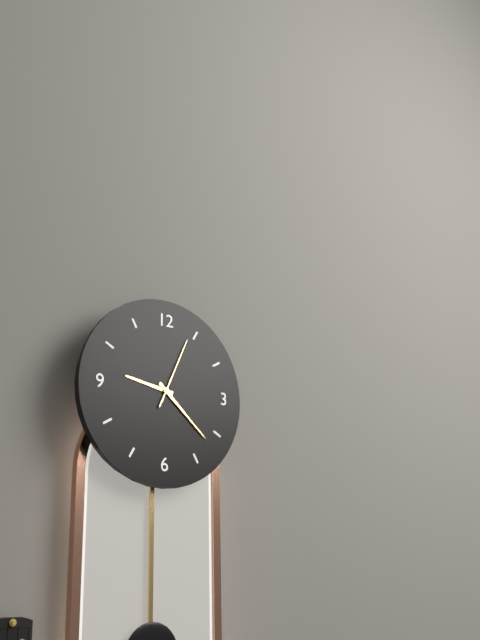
9:22:04
